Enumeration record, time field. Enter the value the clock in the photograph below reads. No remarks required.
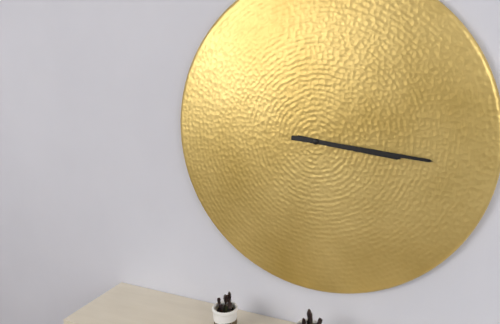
3:16
